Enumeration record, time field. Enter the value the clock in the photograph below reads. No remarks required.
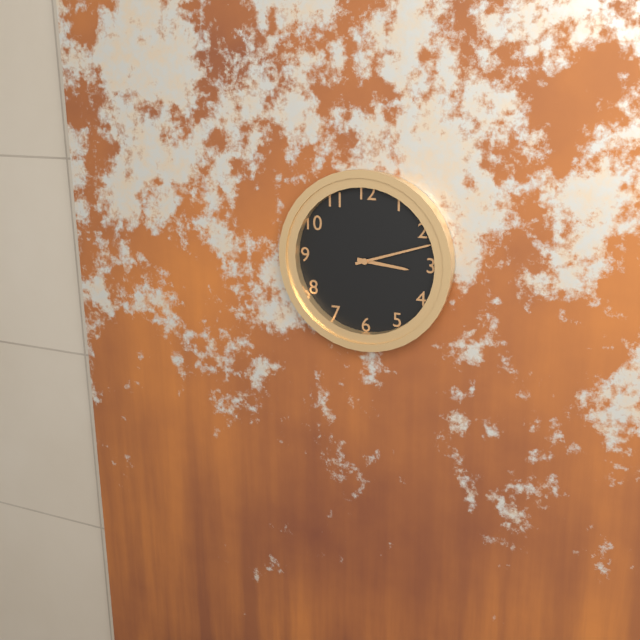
3:12
